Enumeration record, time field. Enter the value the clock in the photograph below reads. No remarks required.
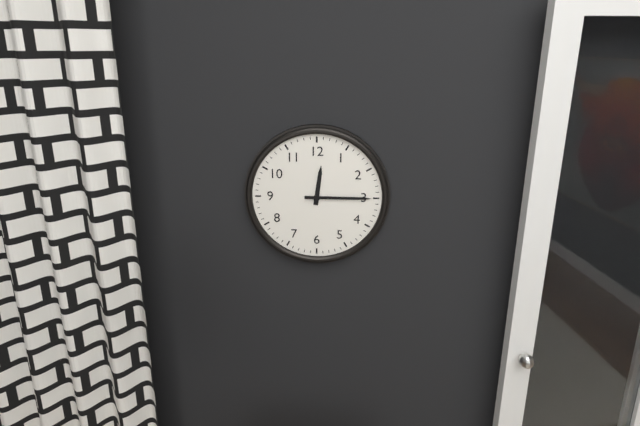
12:15
